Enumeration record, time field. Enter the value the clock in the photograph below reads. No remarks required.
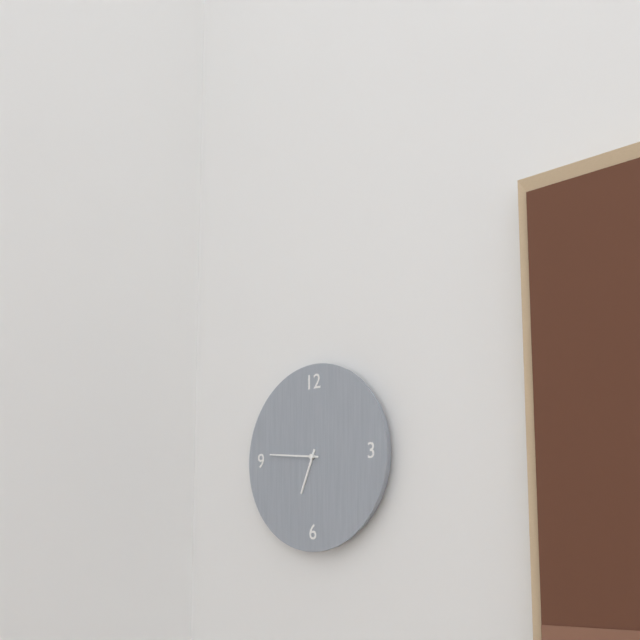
6:46
